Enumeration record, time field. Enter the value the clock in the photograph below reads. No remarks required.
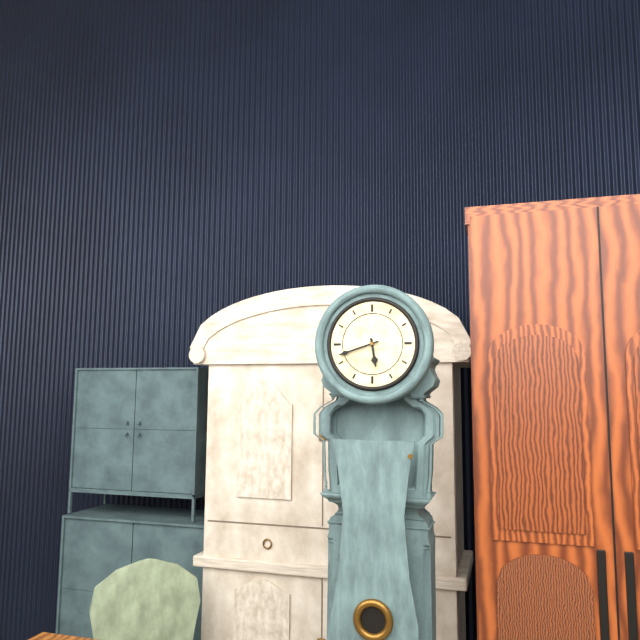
5:42
